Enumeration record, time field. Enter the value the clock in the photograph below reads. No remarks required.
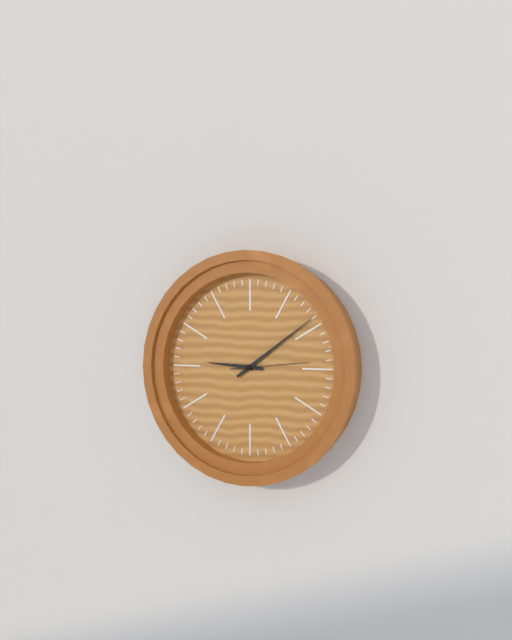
9:09:14
